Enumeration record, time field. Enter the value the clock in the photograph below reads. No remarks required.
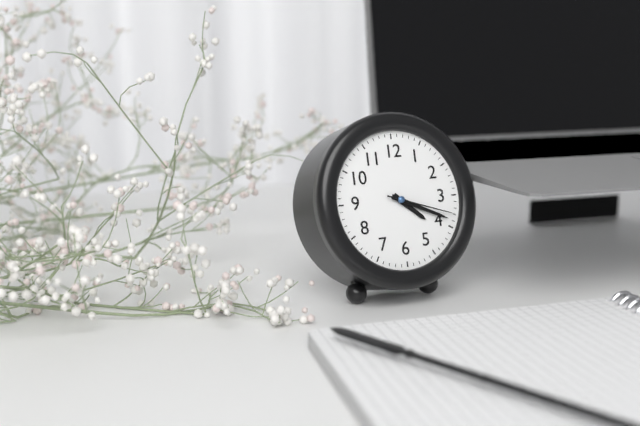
4:19:18
